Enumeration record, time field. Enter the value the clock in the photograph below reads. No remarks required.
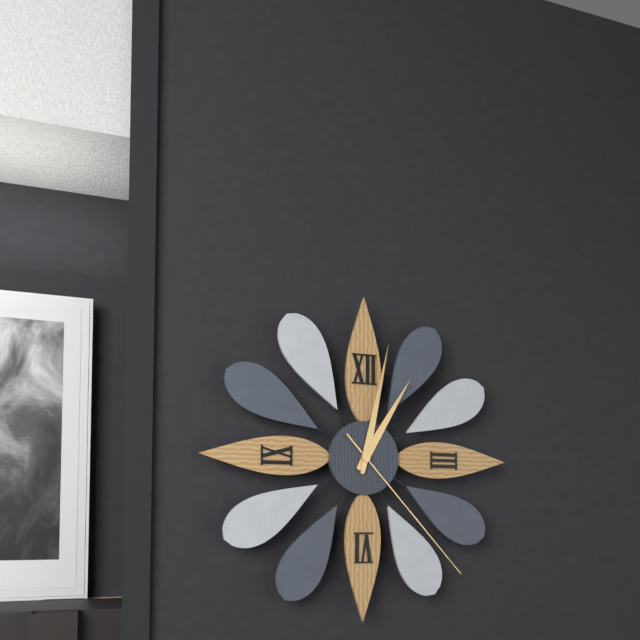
1:02:23
